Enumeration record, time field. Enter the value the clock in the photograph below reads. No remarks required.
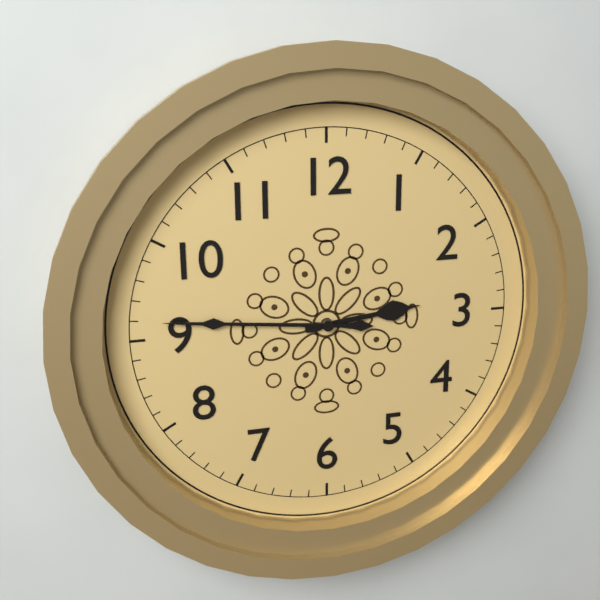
2:46
